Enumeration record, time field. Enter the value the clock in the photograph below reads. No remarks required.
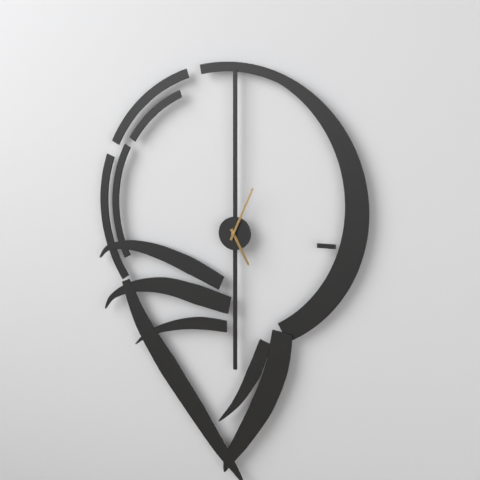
5:04
